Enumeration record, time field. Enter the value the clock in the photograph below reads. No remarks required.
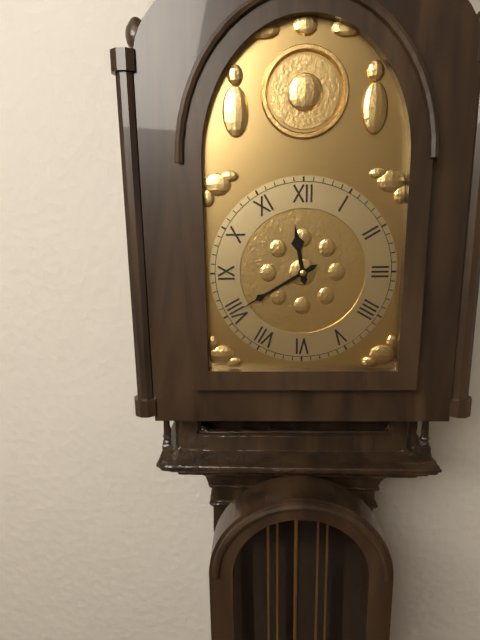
11:40
